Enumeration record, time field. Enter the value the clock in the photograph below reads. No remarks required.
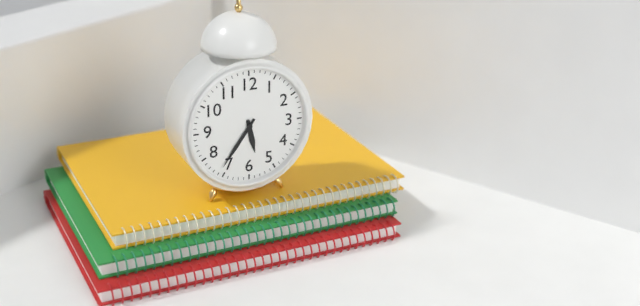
5:36
